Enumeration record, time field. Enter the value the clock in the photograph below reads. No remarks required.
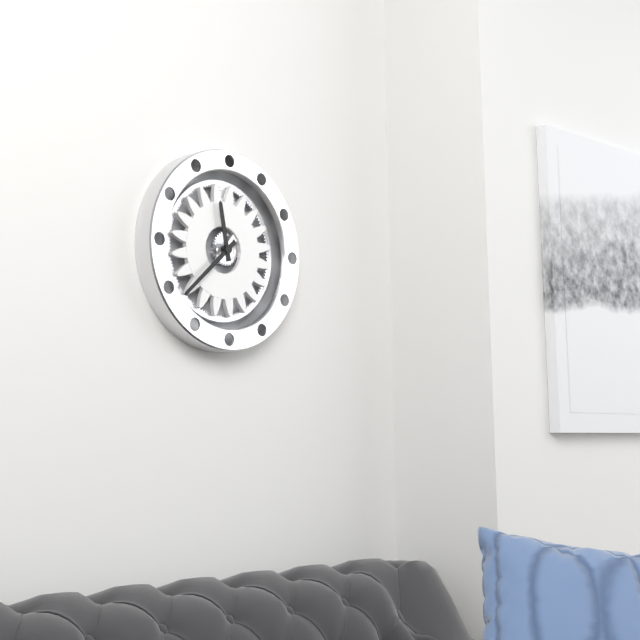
11:38
